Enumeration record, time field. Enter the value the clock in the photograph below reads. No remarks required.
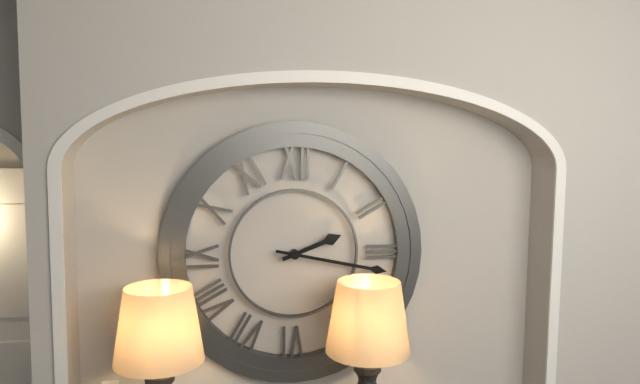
2:17
